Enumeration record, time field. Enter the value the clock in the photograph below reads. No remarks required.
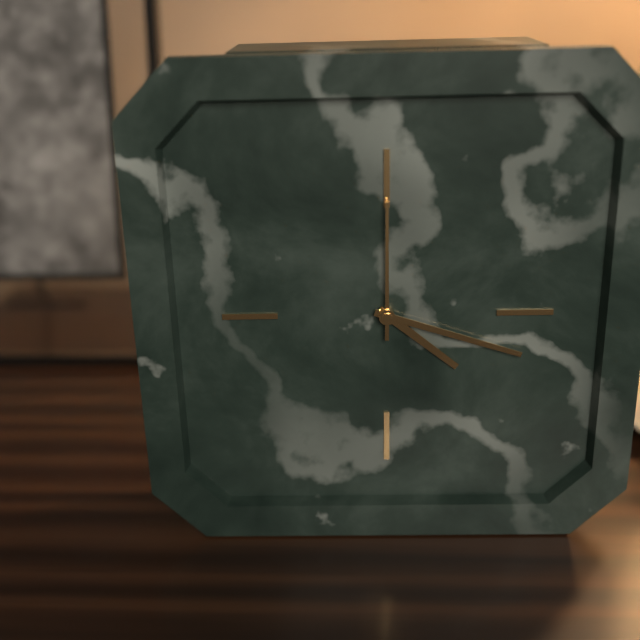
4:18:00
